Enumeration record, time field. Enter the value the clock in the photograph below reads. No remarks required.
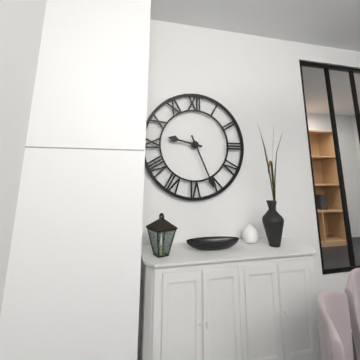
9:26
